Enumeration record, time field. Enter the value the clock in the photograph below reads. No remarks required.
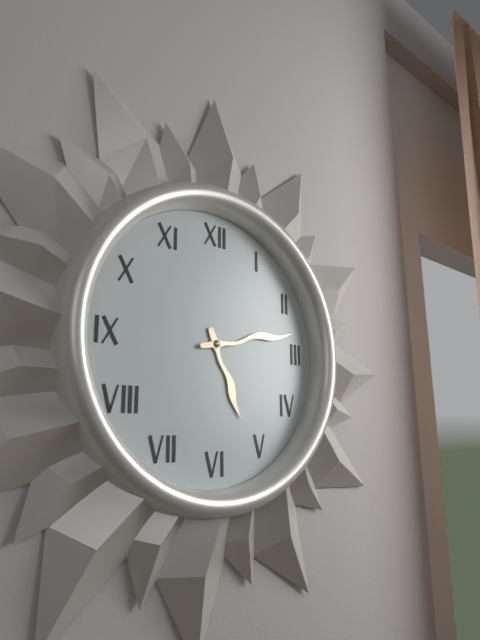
5:13
